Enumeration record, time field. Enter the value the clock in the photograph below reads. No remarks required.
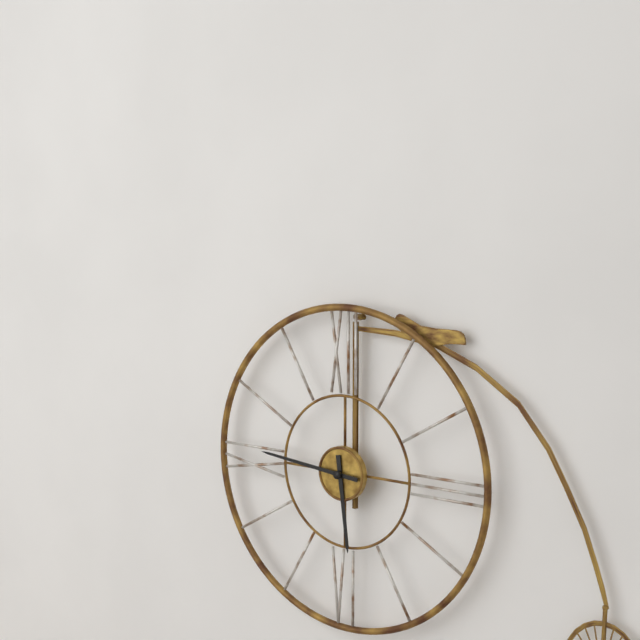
5:46
